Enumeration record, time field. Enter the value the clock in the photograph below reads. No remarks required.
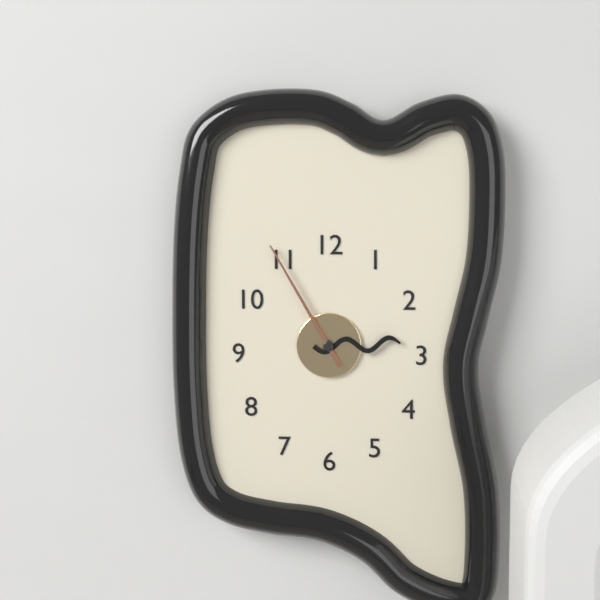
2:55
